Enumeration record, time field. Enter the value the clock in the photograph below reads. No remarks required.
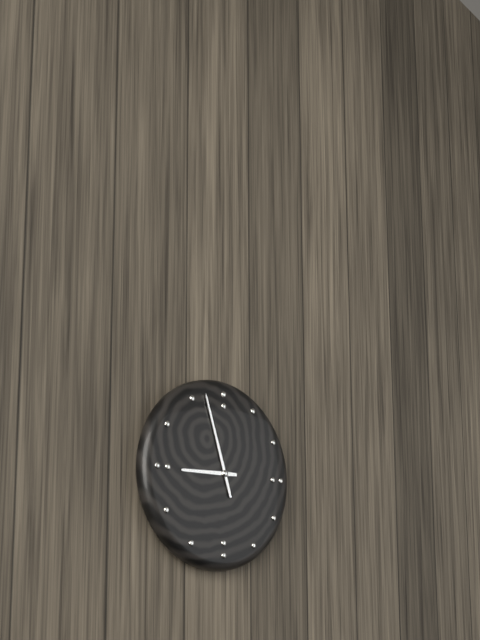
8:57
